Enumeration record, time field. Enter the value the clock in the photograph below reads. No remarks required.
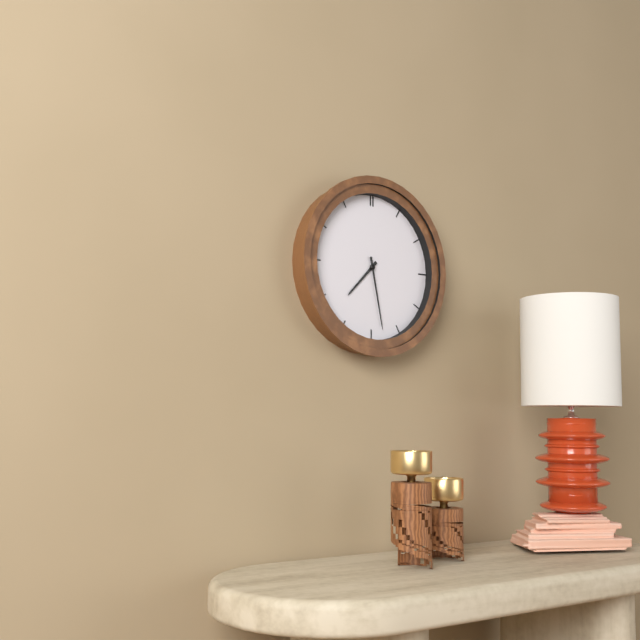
7:28
